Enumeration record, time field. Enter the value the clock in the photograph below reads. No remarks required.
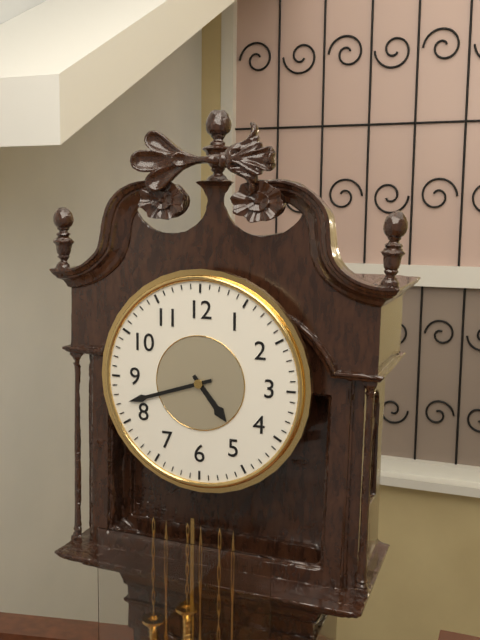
4:42
